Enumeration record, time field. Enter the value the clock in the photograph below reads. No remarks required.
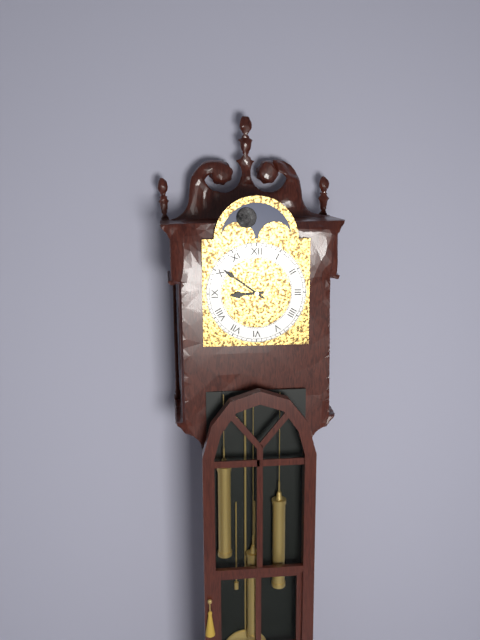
8:51
